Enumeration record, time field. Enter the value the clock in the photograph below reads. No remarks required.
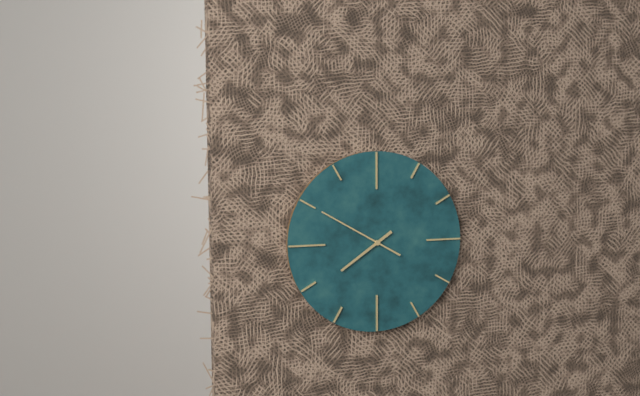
7:50
